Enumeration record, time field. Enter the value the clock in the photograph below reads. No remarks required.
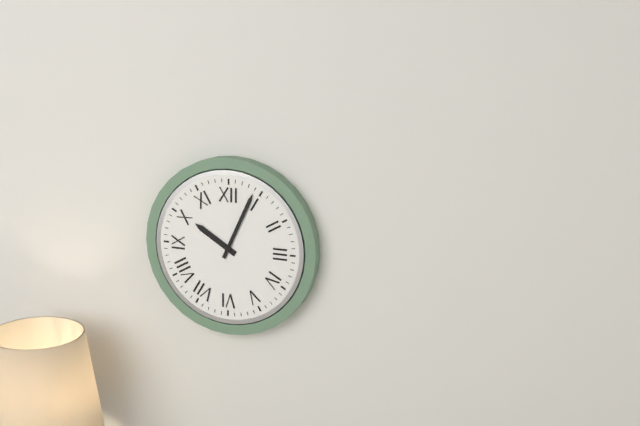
10:04
